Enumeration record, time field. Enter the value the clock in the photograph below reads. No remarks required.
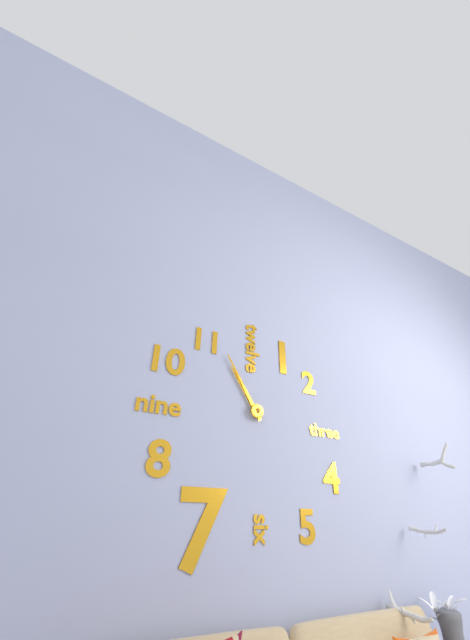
10:55
